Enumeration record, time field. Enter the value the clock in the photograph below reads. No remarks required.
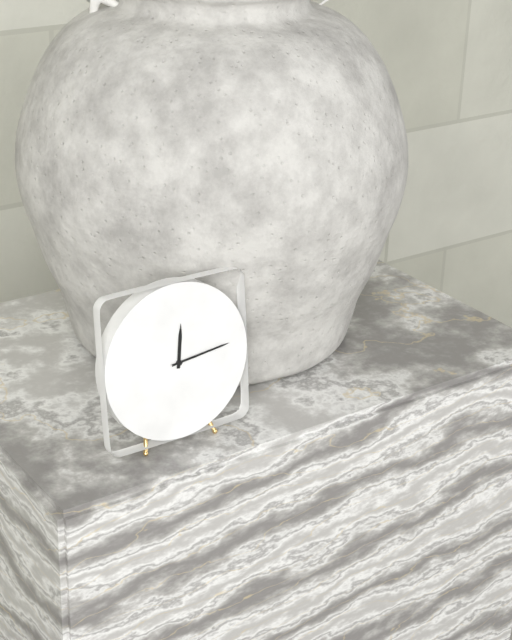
12:14
